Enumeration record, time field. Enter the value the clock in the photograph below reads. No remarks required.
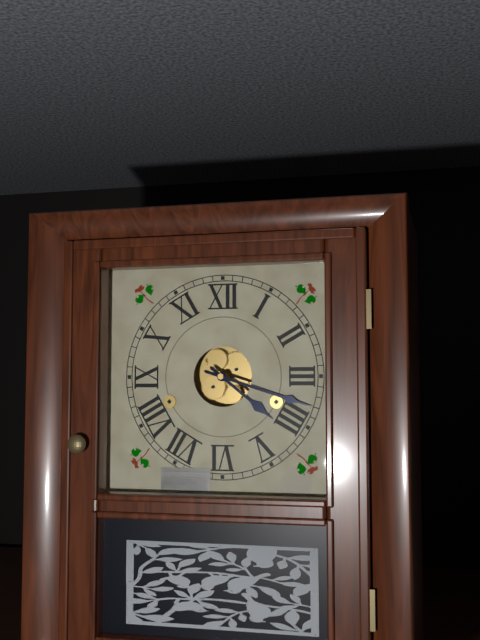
4:18
